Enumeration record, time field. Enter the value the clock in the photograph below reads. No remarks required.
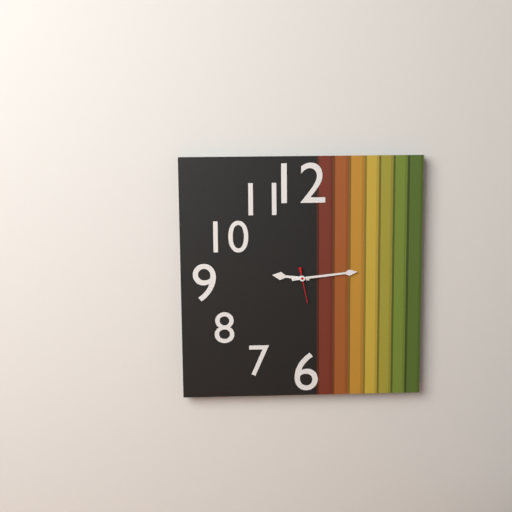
9:14
